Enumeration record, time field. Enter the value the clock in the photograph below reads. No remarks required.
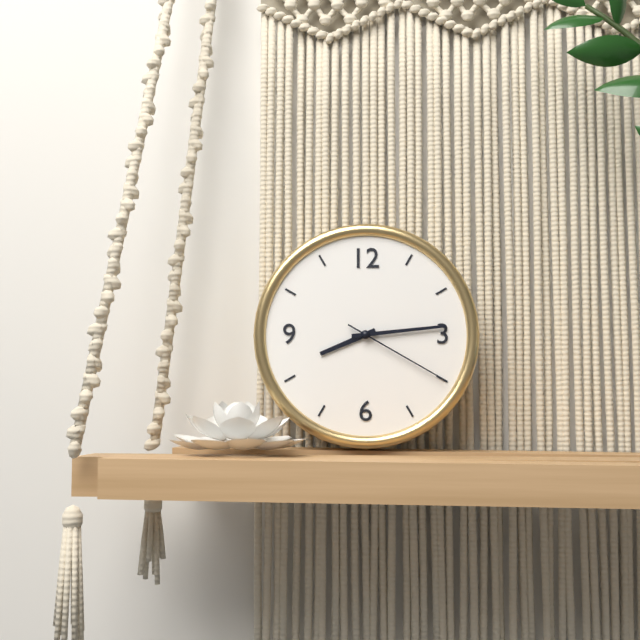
8:14:20
